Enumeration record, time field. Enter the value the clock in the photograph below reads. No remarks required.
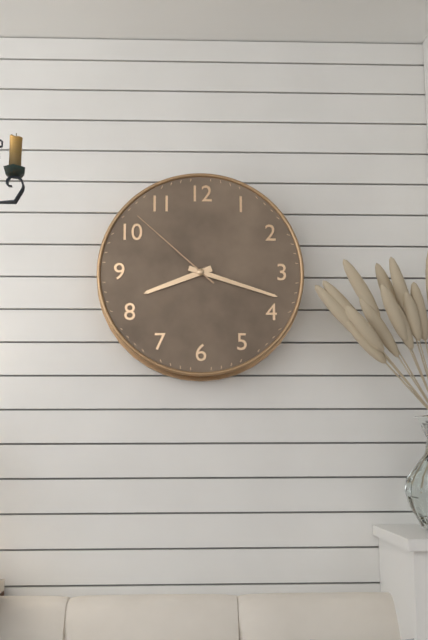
8:18:52
